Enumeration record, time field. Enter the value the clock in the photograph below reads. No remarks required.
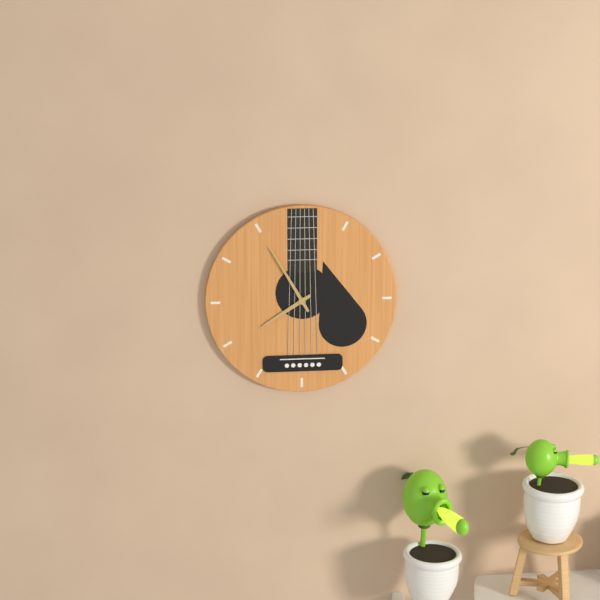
7:55
